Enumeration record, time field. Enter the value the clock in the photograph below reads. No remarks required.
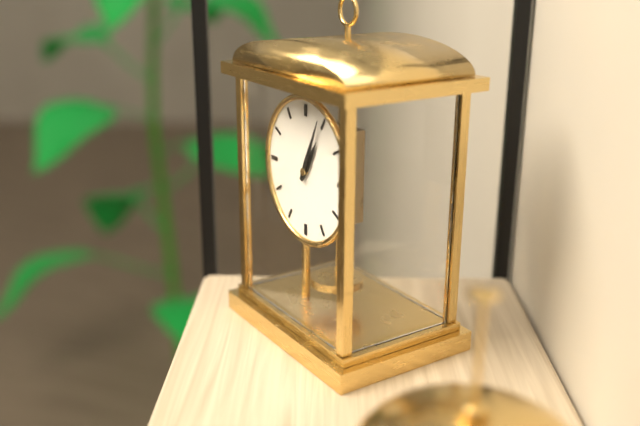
1:04
